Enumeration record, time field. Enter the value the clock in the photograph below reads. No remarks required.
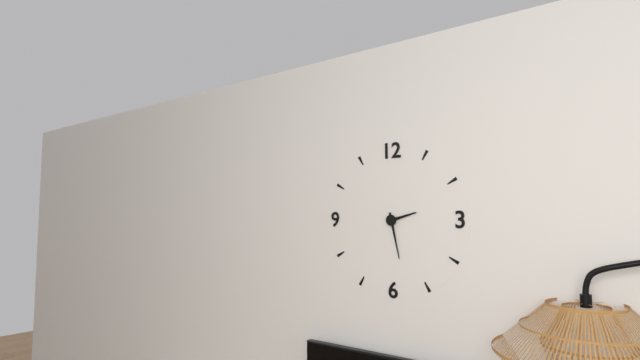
2:28
